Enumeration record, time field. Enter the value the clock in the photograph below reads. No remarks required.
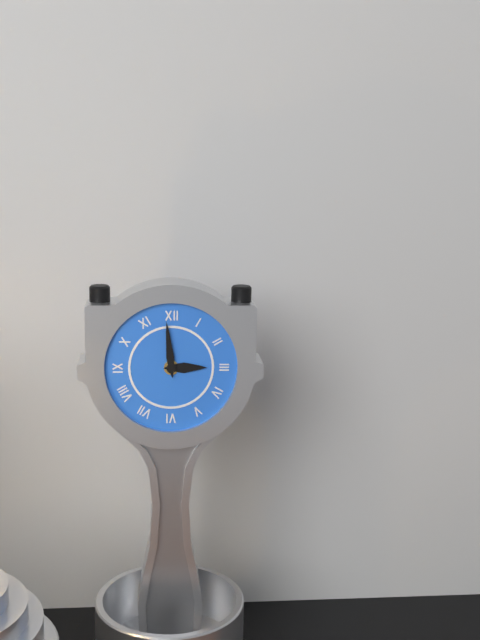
2:59
